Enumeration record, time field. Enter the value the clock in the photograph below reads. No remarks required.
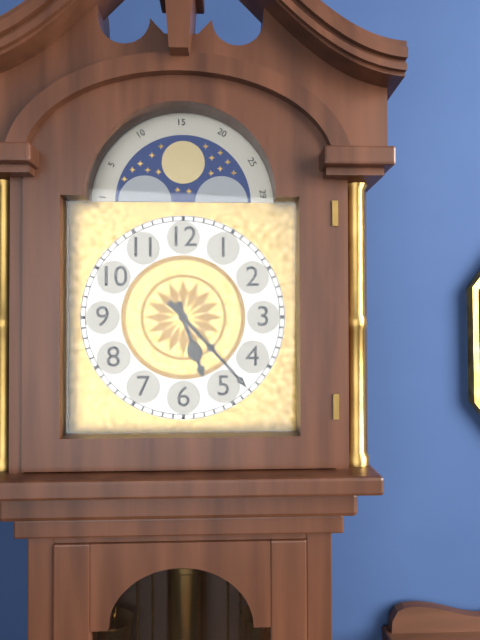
5:23
